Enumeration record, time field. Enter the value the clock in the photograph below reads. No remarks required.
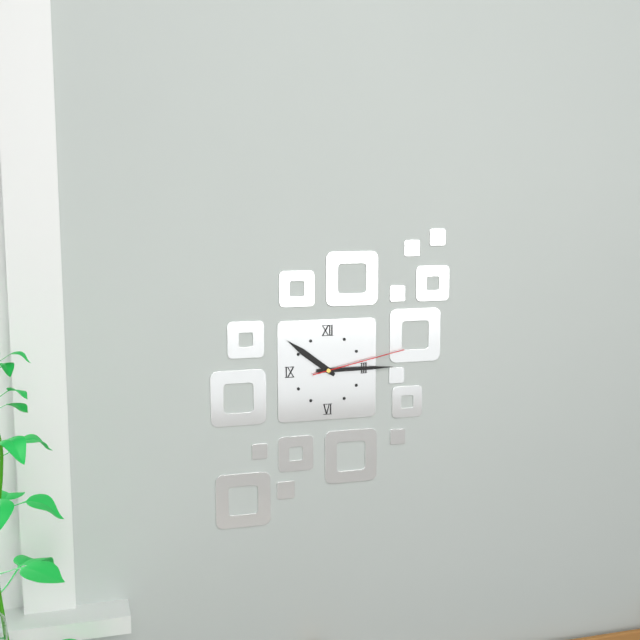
10:15:13
